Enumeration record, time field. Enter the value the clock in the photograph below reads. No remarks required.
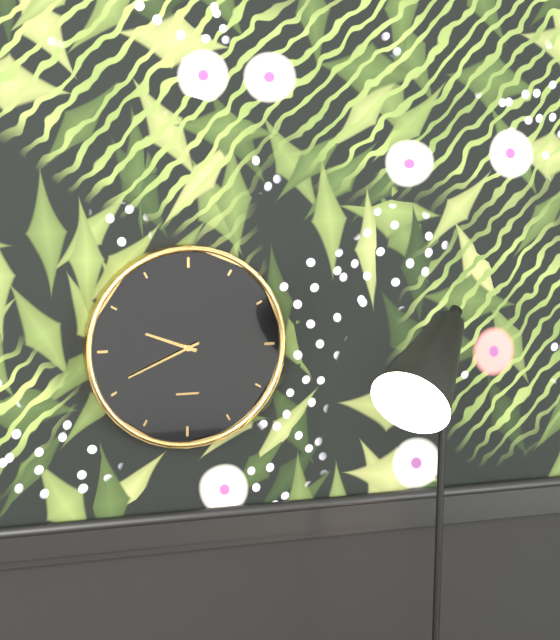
9:41
